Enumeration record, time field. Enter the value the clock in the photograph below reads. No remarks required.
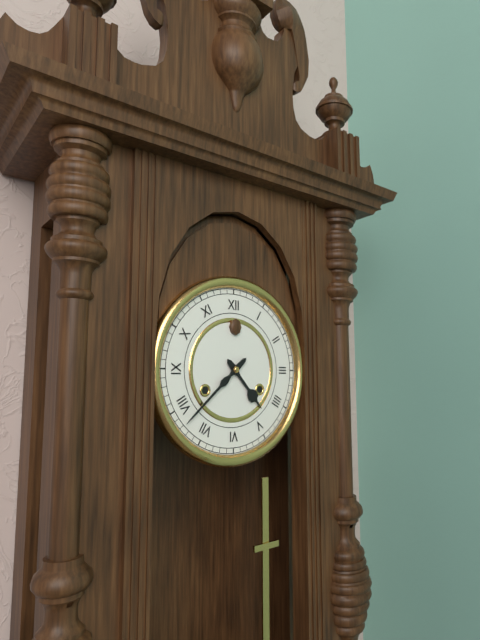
4:38
